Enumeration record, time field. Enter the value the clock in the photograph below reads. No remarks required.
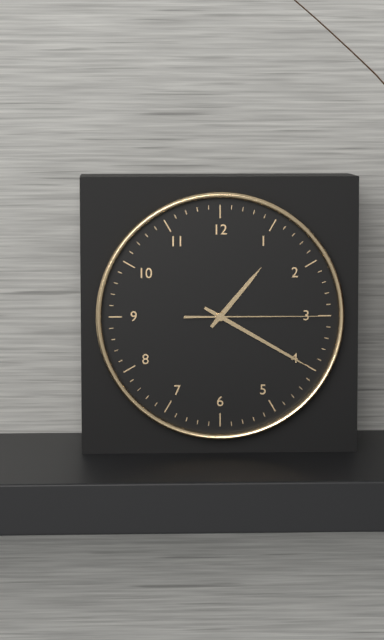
1:20:15
